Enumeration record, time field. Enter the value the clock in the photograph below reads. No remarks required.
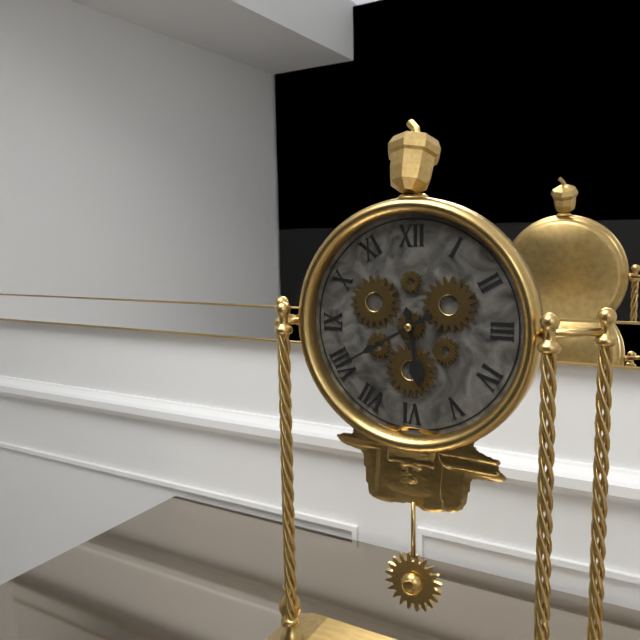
5:40
